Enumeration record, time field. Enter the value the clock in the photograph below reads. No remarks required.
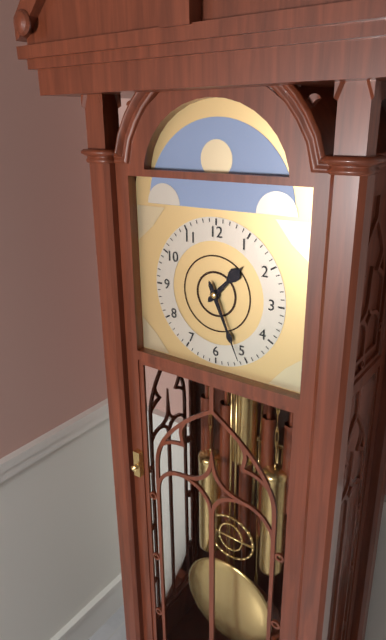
1:26
